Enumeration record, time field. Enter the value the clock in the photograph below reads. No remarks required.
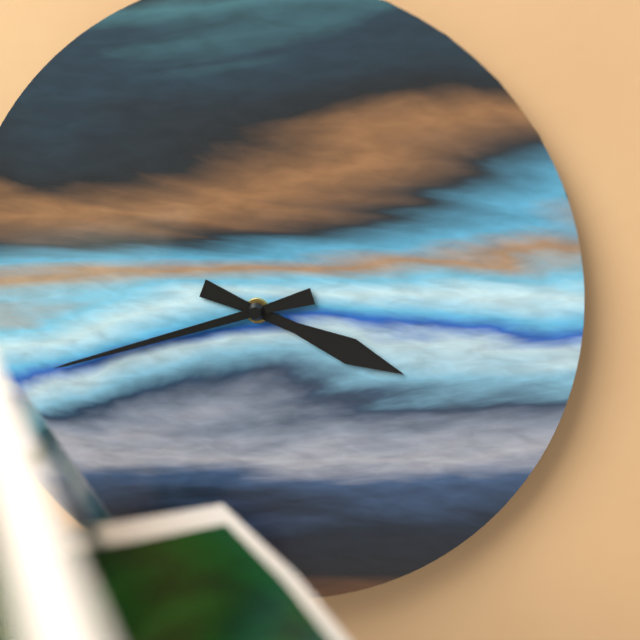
3:42
